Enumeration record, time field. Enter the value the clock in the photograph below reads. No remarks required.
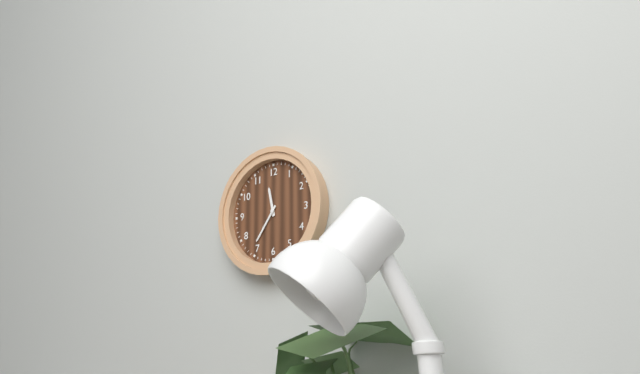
11:36
